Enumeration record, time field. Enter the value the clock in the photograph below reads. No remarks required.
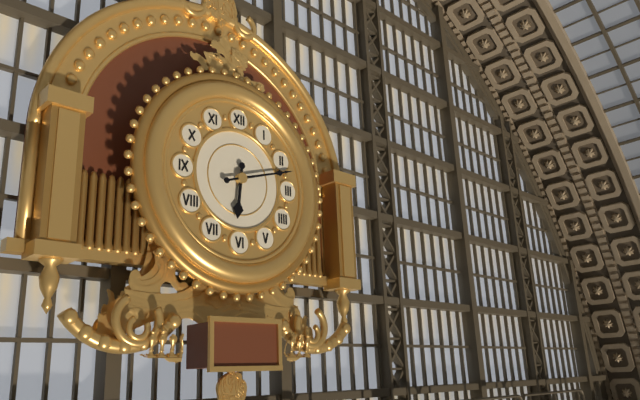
6:12
